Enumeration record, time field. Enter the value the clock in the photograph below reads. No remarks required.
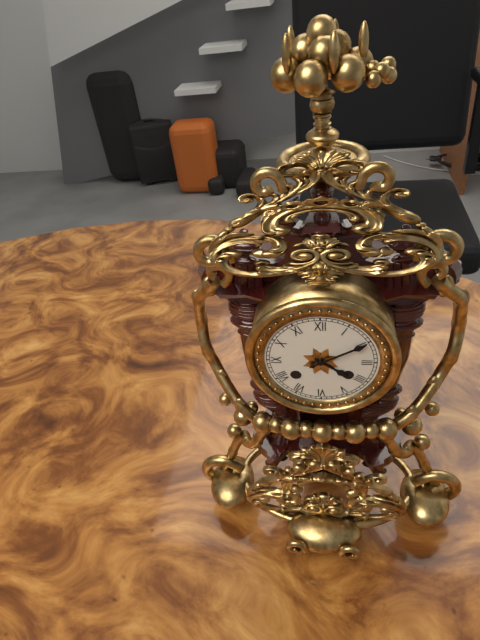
4:10
